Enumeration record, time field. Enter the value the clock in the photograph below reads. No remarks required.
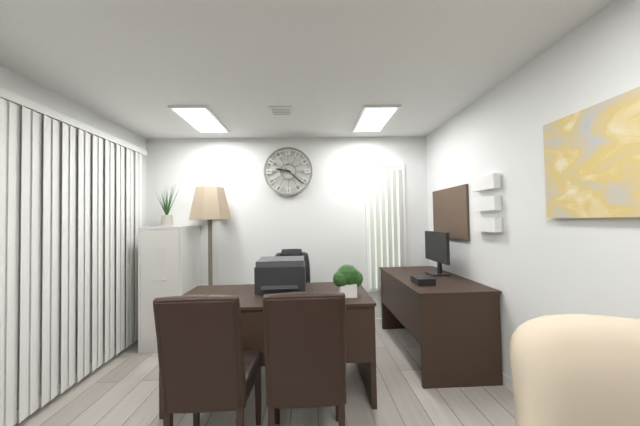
9:22
